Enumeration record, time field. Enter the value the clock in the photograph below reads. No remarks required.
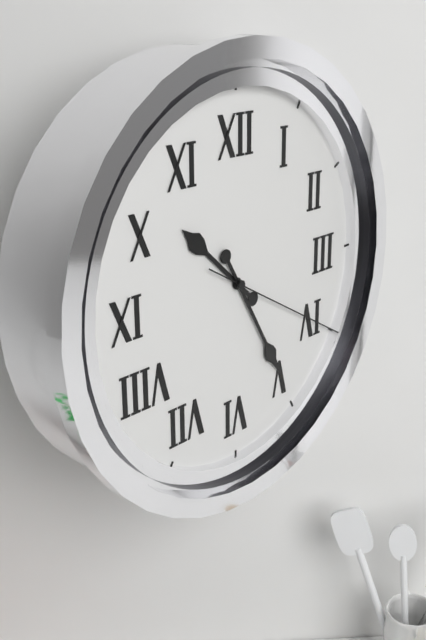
10:25:20
